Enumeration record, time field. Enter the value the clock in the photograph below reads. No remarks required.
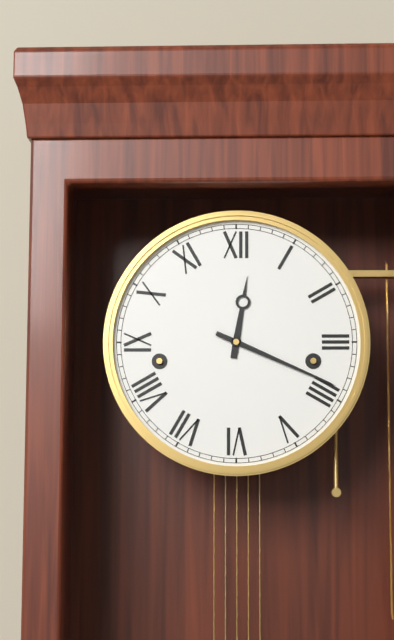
12:19
